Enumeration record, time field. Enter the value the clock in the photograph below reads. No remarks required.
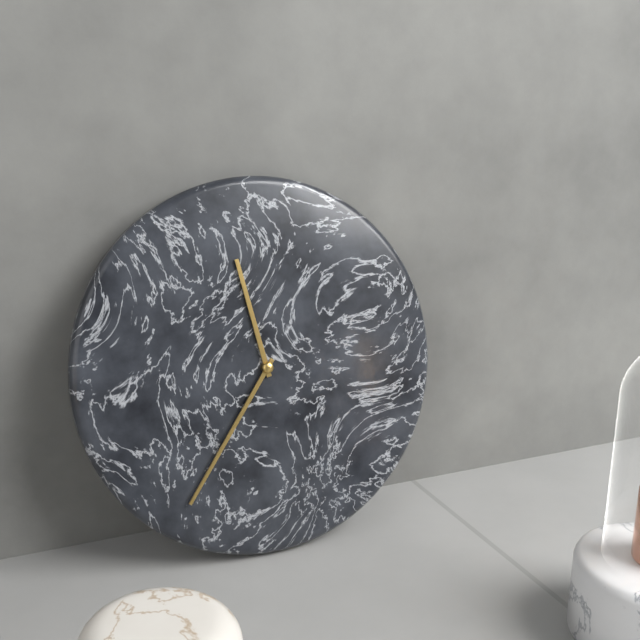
11:36
